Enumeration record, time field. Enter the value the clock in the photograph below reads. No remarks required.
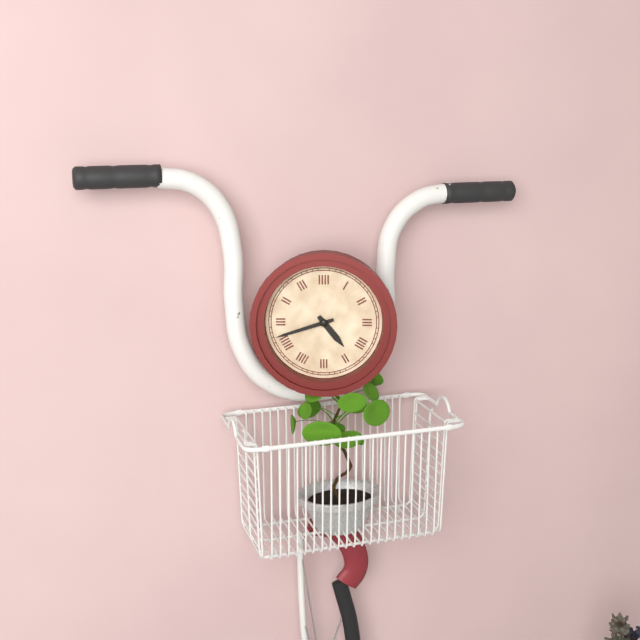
4:42
